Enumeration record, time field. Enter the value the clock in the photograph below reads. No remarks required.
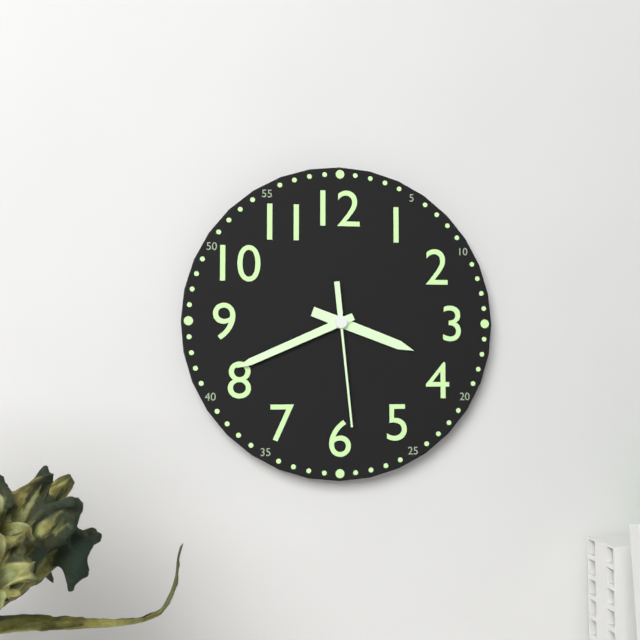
3:41:29
